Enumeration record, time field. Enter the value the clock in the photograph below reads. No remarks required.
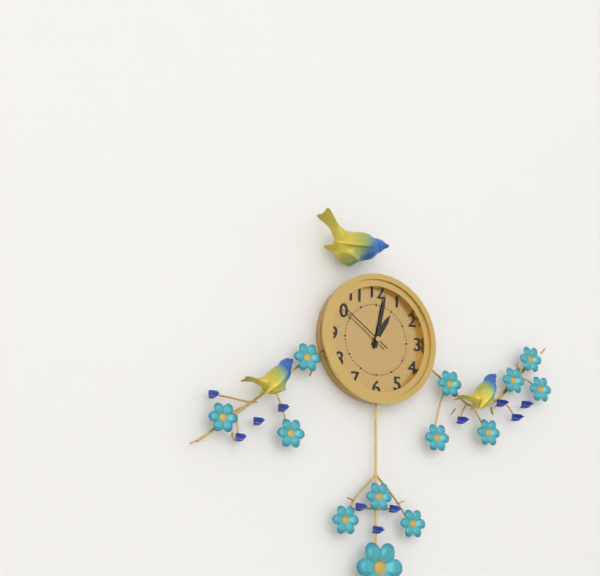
1:02:51
